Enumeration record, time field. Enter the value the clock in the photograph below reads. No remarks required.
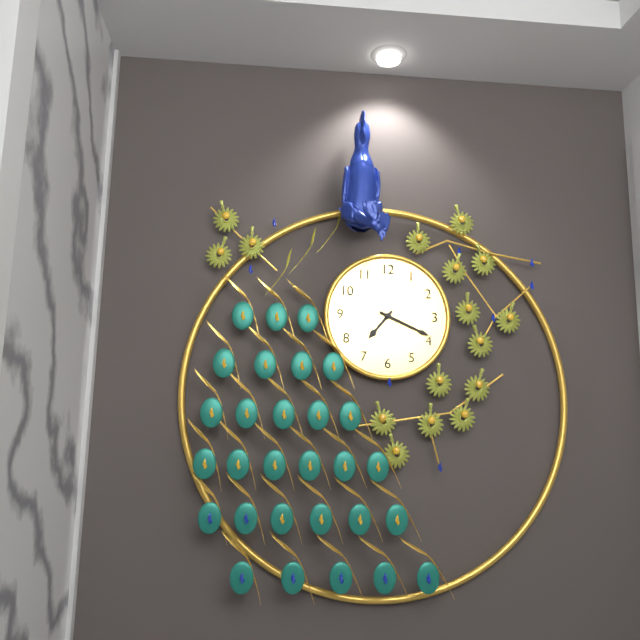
7:19
